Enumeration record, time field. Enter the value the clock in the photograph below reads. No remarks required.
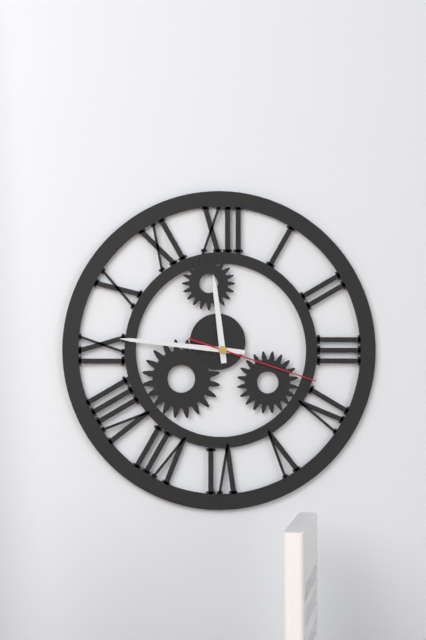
11:46:18
